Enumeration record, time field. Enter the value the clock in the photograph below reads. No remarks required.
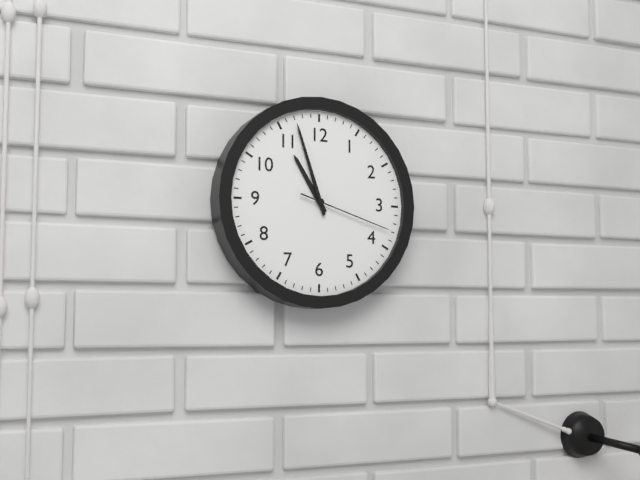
10:57:18
